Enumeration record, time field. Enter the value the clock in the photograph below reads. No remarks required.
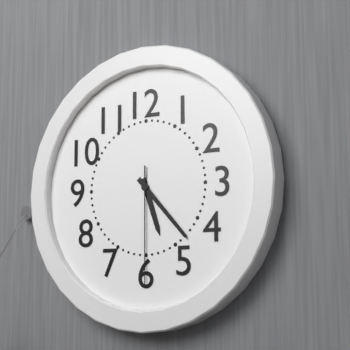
5:23:30
